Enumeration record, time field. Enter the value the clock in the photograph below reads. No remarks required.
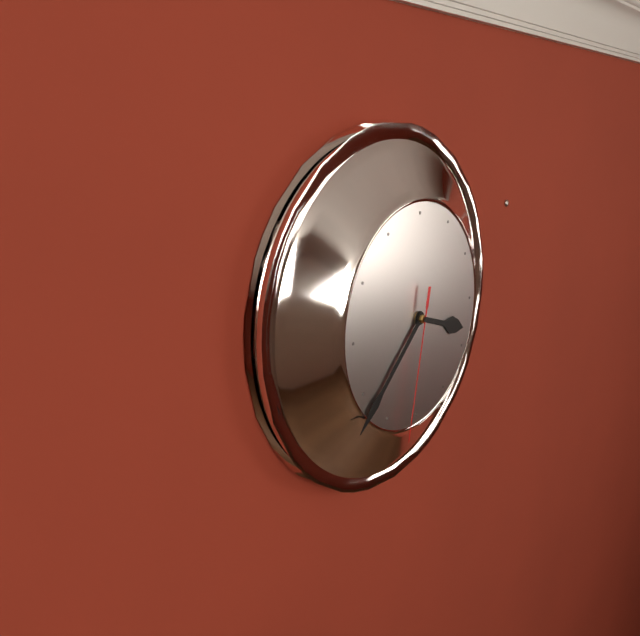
3:38:32
